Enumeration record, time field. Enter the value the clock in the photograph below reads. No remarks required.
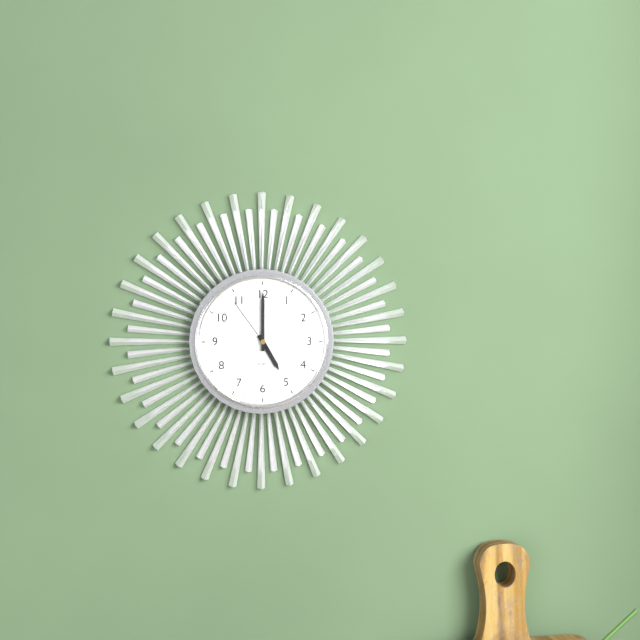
5:00:54
